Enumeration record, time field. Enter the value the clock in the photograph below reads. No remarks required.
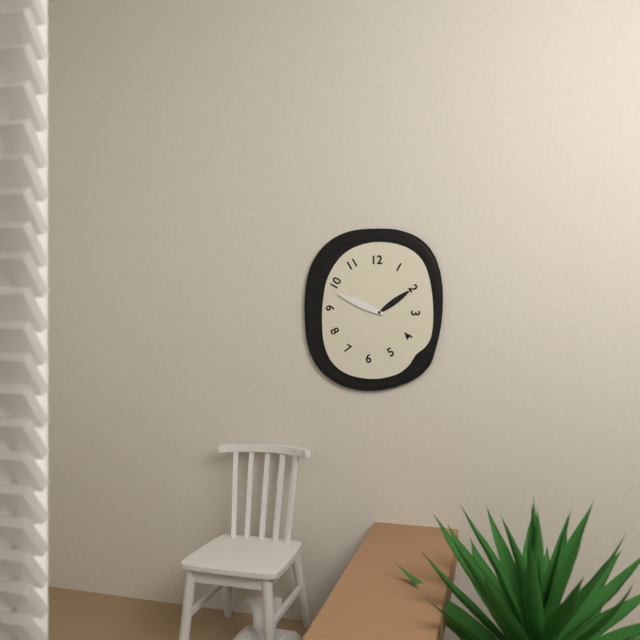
1:49
